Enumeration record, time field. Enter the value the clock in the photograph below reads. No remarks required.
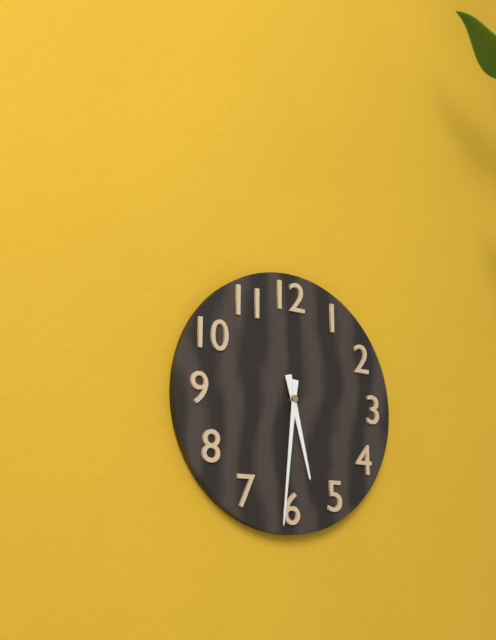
5:31
